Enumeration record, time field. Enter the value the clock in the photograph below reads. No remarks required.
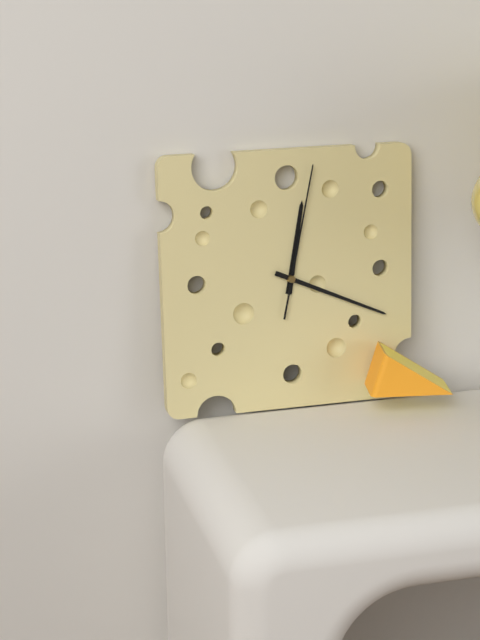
12:19:02
